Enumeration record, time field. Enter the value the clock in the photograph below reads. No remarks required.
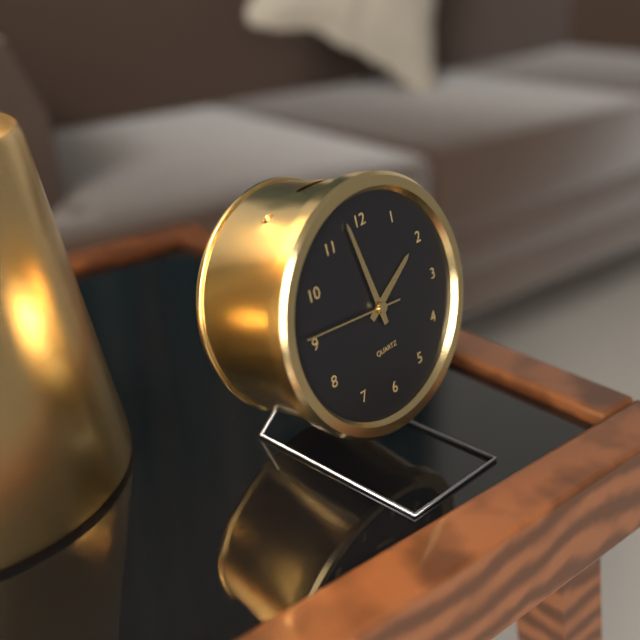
1:58:46
